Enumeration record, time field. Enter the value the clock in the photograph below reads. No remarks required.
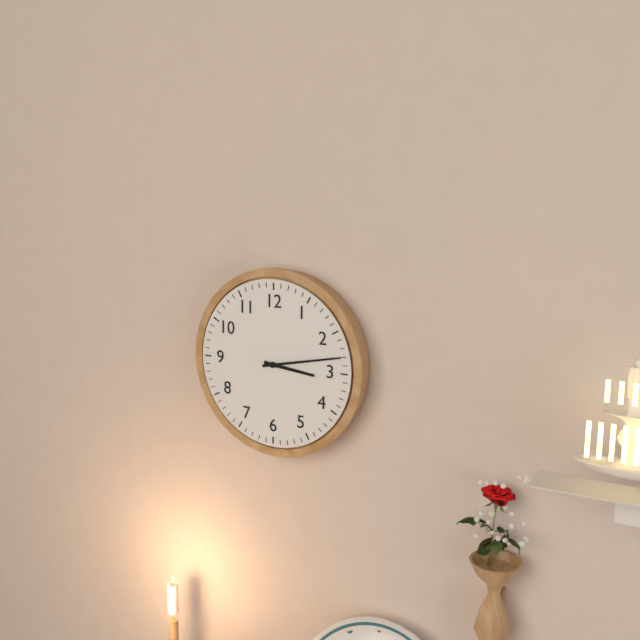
3:13
